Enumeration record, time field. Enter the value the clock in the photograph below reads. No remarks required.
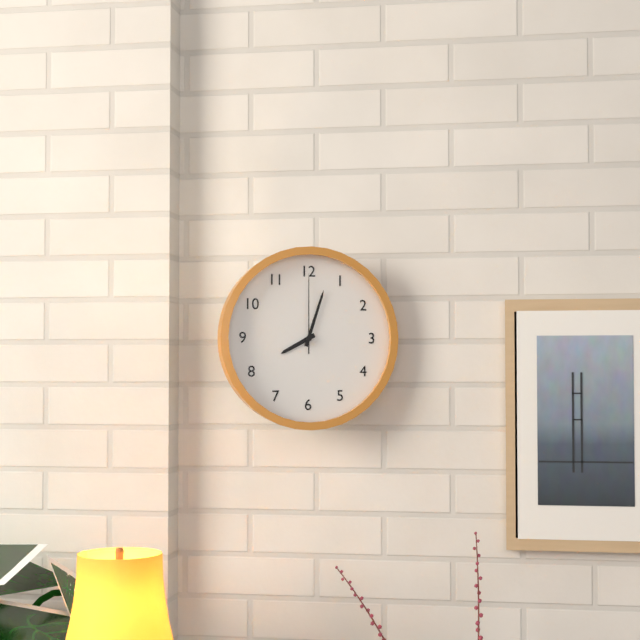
8:03:00
